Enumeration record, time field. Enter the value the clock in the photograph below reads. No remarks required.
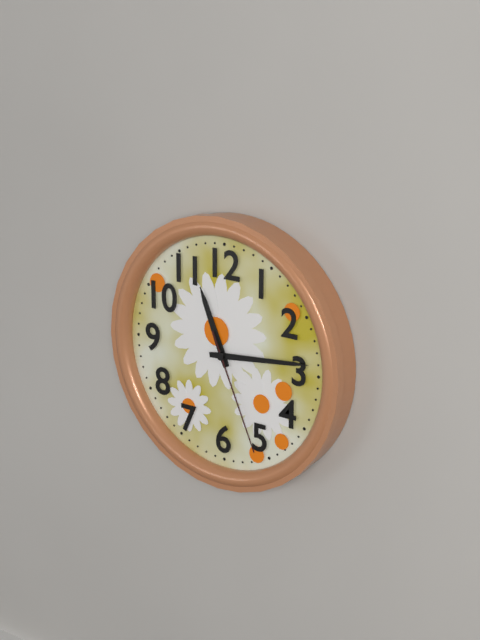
11:14:26
